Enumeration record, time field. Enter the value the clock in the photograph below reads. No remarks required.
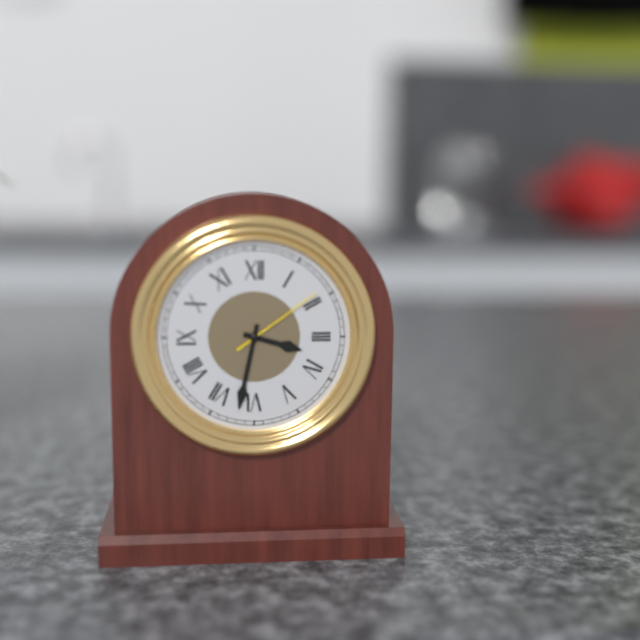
3:32:09
